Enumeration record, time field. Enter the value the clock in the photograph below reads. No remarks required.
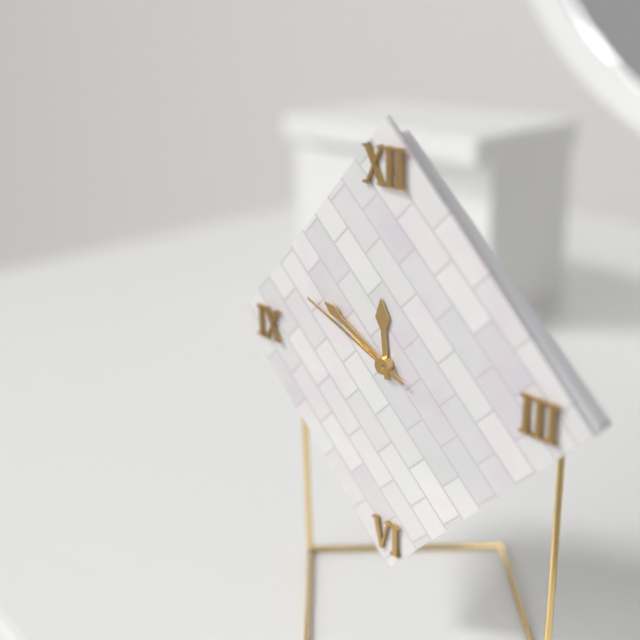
11:50:49
